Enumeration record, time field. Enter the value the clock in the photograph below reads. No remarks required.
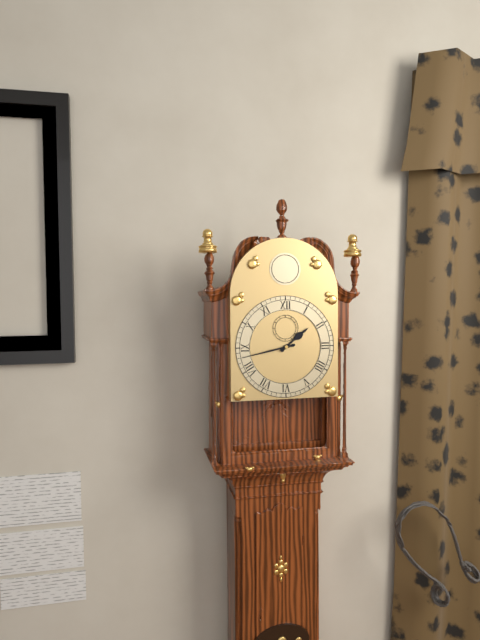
1:43
